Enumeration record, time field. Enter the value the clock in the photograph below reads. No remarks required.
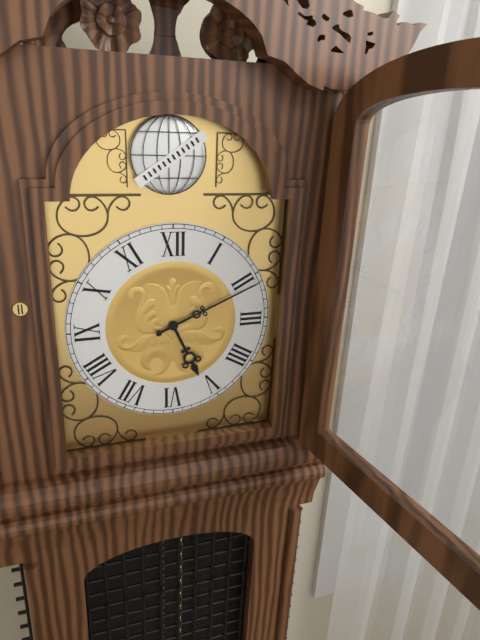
5:11
